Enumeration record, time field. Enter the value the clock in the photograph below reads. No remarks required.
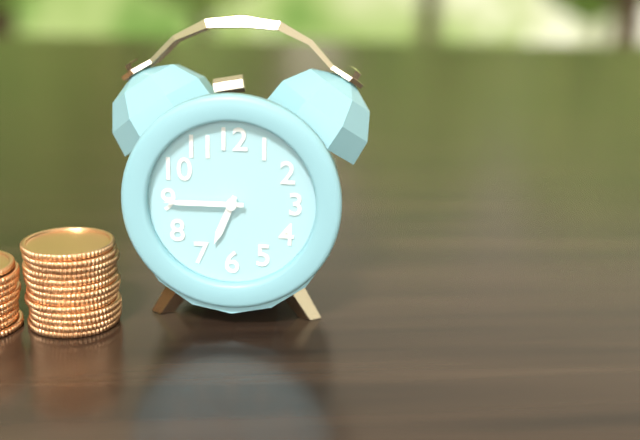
6:45
